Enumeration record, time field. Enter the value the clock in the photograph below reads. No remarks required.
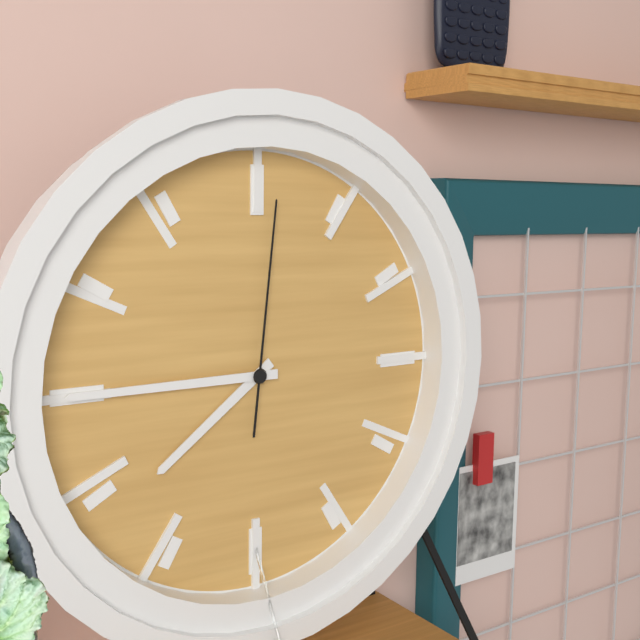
7:45:01
